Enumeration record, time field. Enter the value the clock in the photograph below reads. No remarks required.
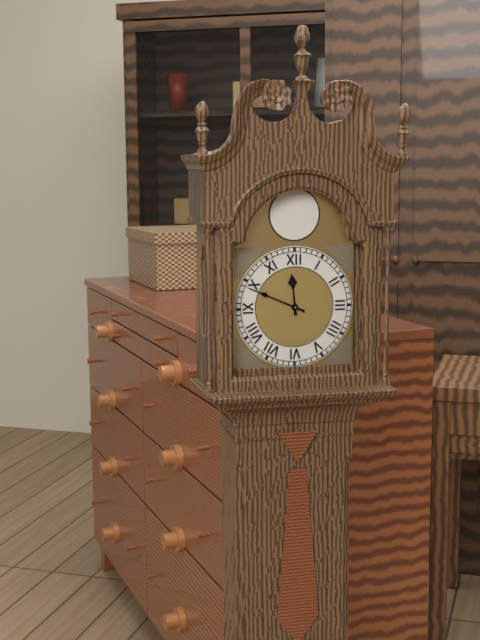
11:49
